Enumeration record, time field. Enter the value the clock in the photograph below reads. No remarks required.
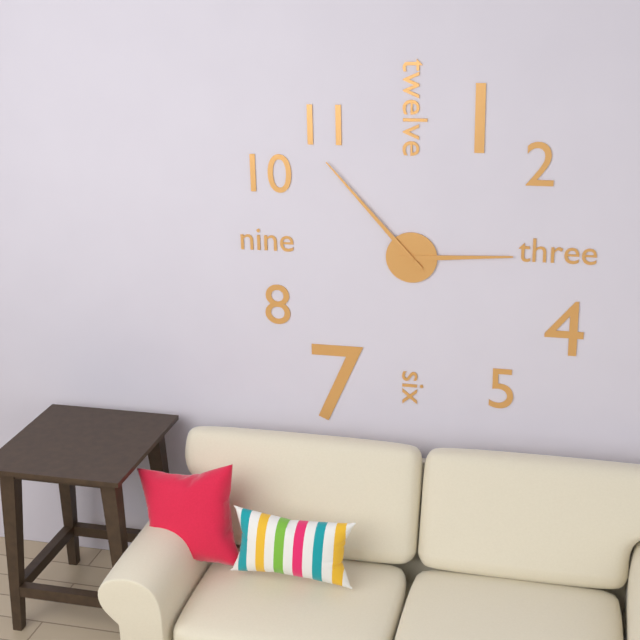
2:53
